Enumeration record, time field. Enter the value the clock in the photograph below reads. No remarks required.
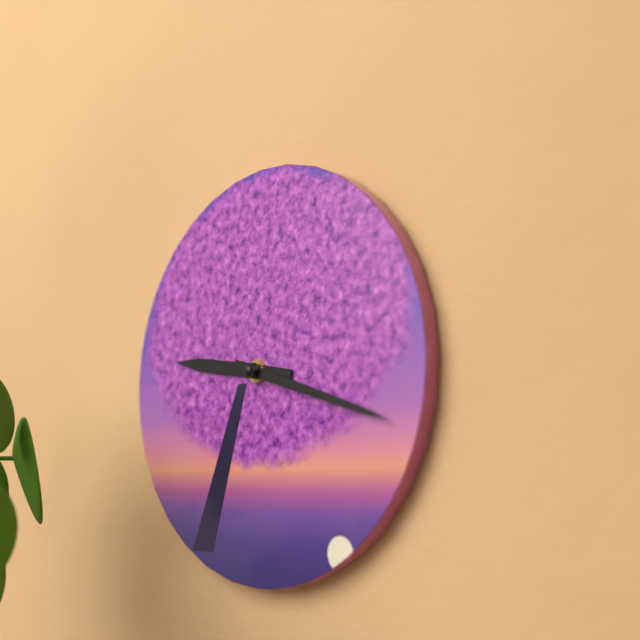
9:18
